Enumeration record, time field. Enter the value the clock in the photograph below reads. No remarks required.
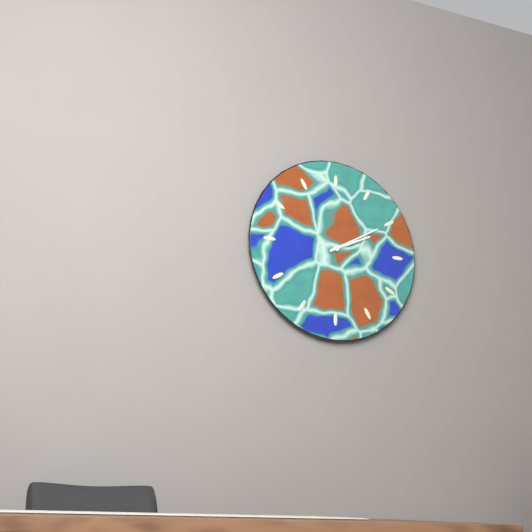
2:10
